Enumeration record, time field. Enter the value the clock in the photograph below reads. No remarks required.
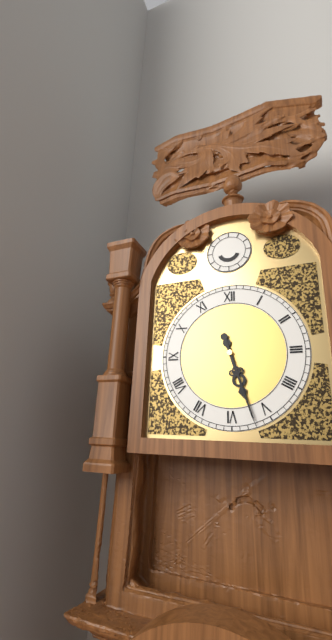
5:27
